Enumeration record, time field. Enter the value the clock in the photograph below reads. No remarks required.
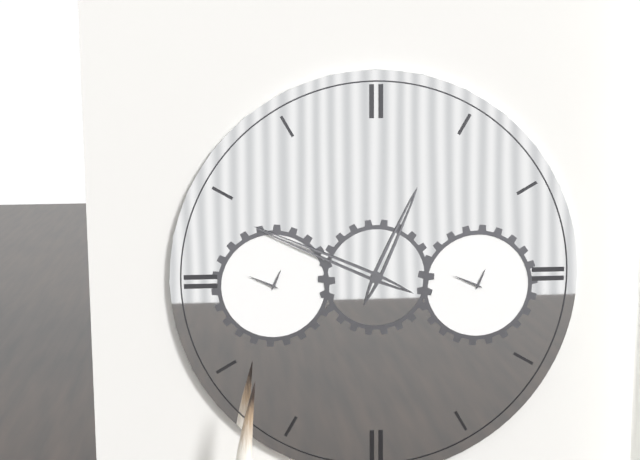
12:49
